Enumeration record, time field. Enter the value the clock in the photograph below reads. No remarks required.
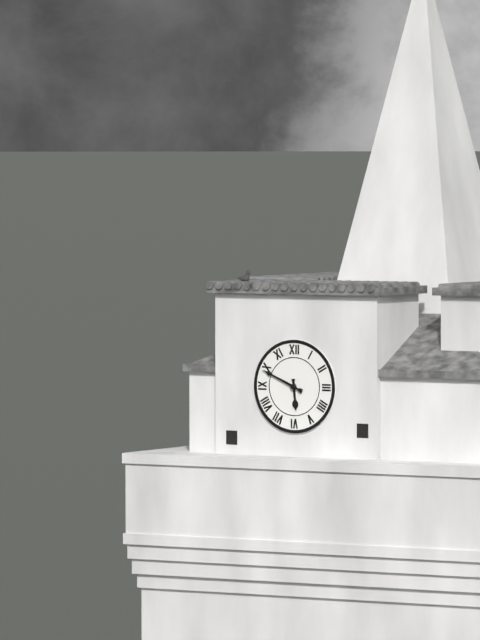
5:49
